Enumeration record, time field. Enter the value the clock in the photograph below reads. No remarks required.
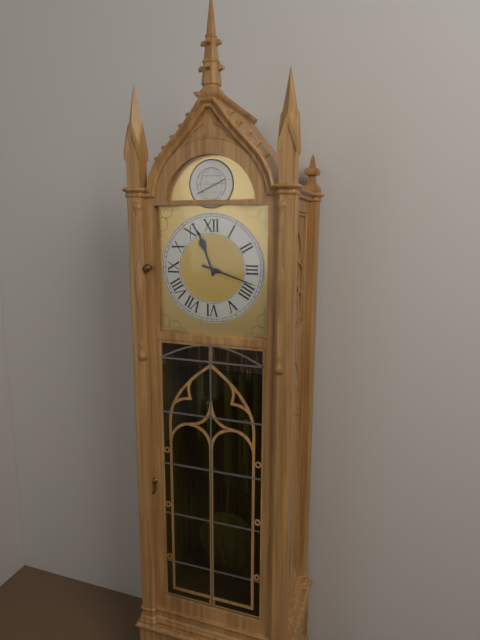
11:18
